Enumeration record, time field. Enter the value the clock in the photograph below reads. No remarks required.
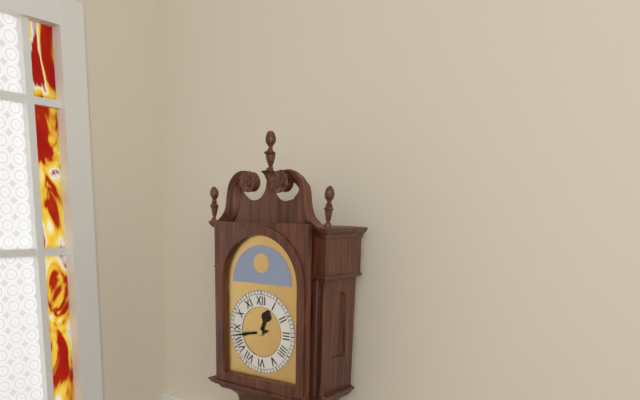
12:43
